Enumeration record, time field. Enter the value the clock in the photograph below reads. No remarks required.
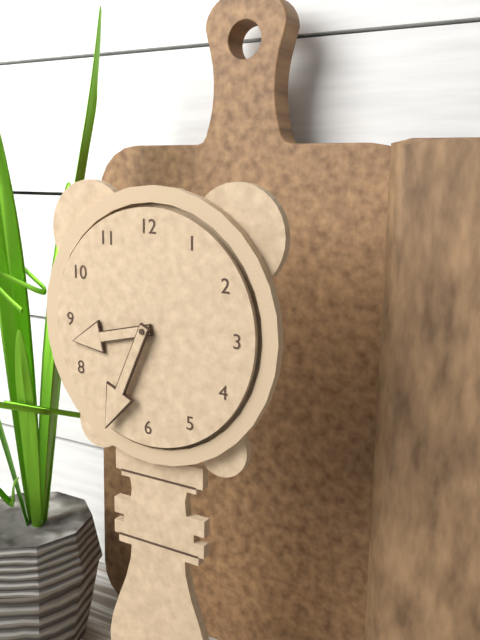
8:34
